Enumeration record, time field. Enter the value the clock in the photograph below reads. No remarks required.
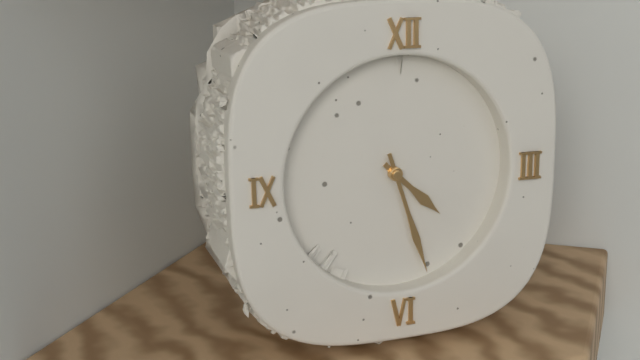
4:27
